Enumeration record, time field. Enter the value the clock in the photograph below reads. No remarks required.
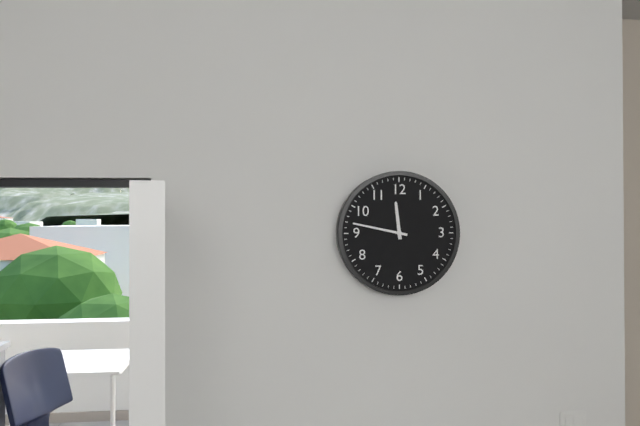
11:47
